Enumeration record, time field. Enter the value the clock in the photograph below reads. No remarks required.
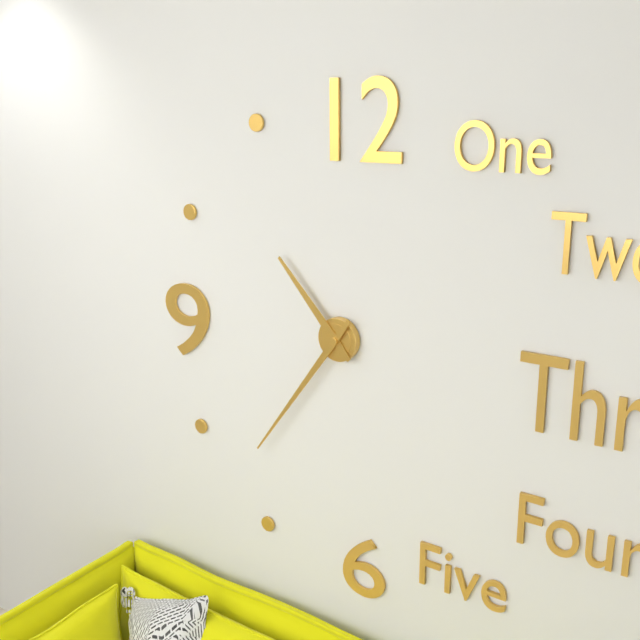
10:36
